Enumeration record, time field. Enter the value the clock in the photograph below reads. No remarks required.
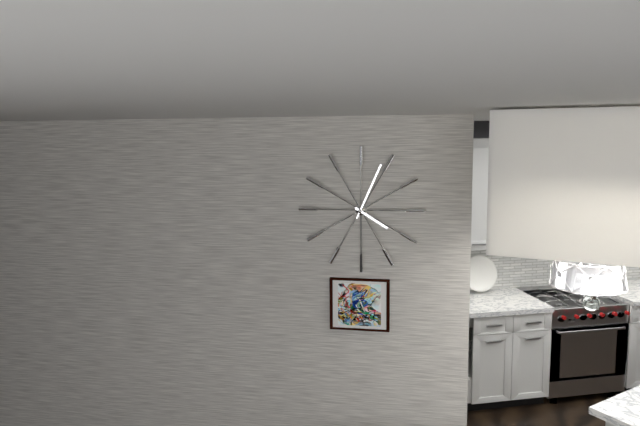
4:04
